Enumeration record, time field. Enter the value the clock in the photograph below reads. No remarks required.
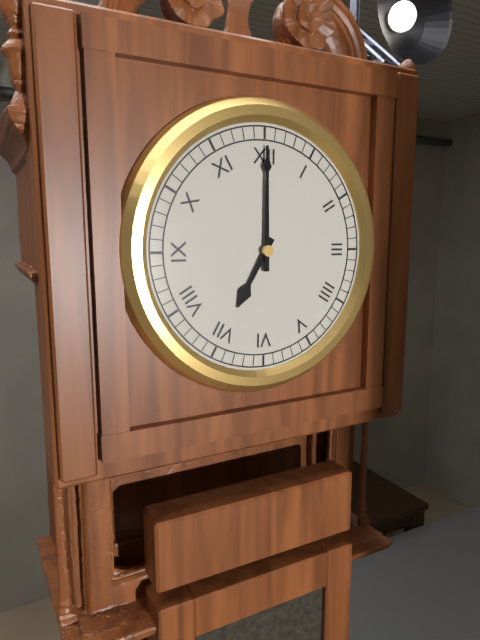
7:00
